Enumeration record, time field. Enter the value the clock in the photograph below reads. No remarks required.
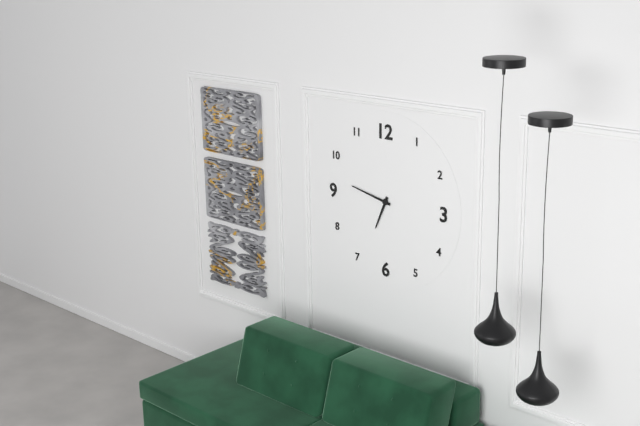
6:47
